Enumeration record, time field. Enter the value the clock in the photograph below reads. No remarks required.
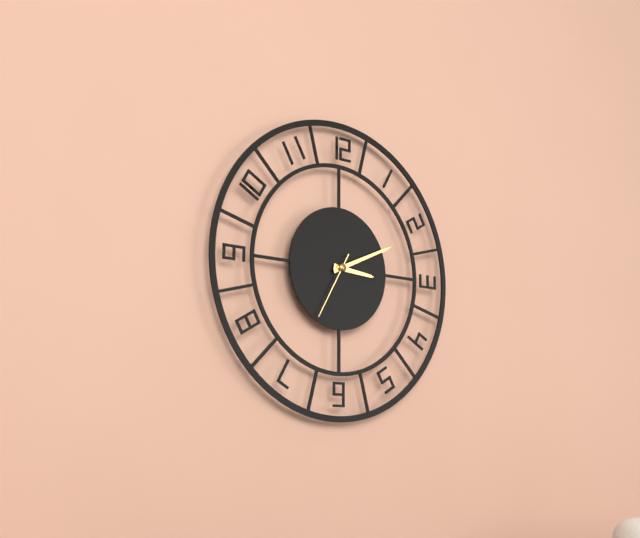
3:11:35
